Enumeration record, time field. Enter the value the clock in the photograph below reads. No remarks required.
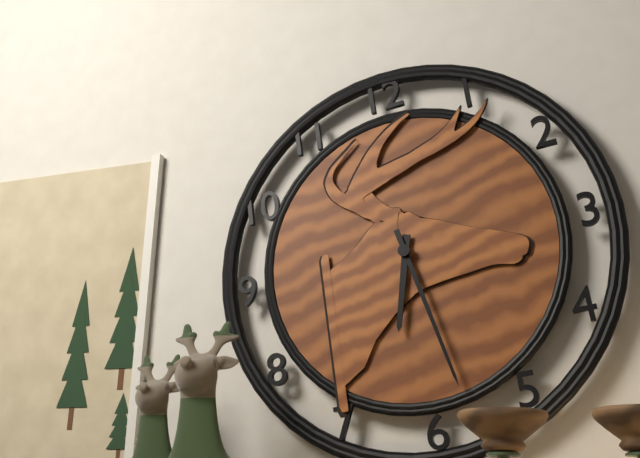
6:28
